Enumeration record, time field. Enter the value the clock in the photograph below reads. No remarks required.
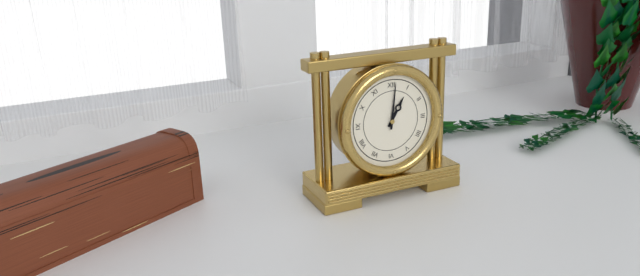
1:01
